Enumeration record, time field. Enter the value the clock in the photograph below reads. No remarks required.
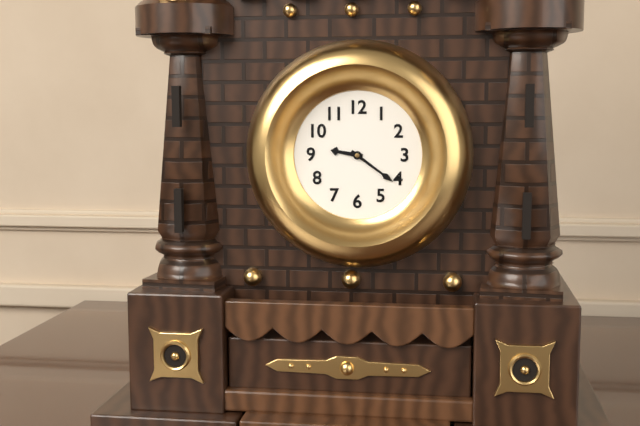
9:21
